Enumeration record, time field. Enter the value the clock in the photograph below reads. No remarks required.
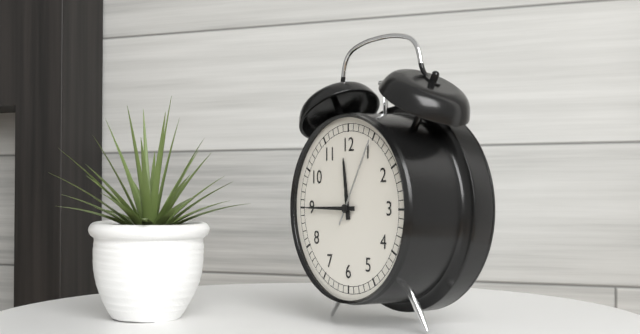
11:45:05
